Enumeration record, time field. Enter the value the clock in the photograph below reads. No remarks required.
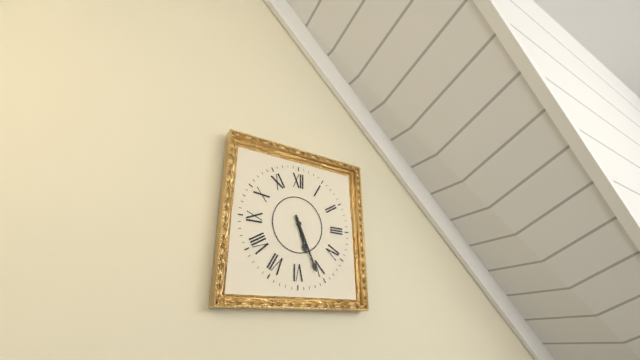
5:26
